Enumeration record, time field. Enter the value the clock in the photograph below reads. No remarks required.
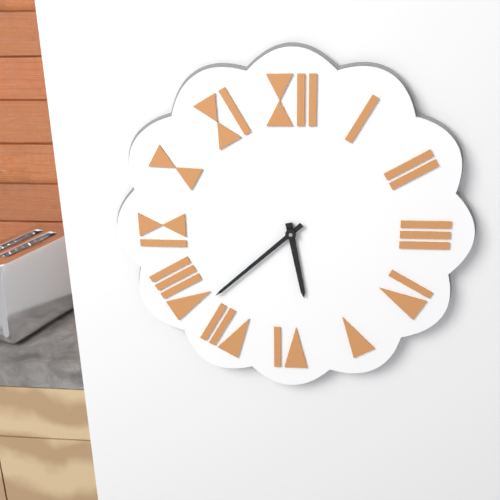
5:38
